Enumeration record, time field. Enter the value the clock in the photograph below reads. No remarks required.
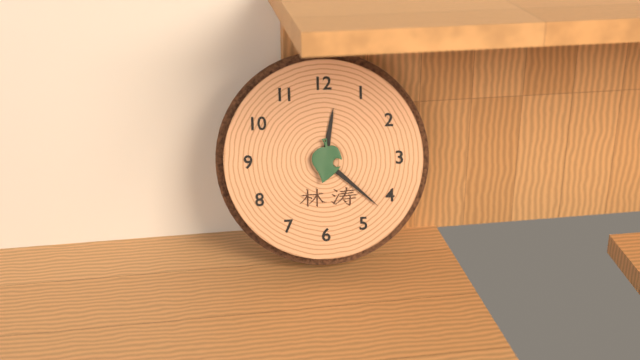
12:22
